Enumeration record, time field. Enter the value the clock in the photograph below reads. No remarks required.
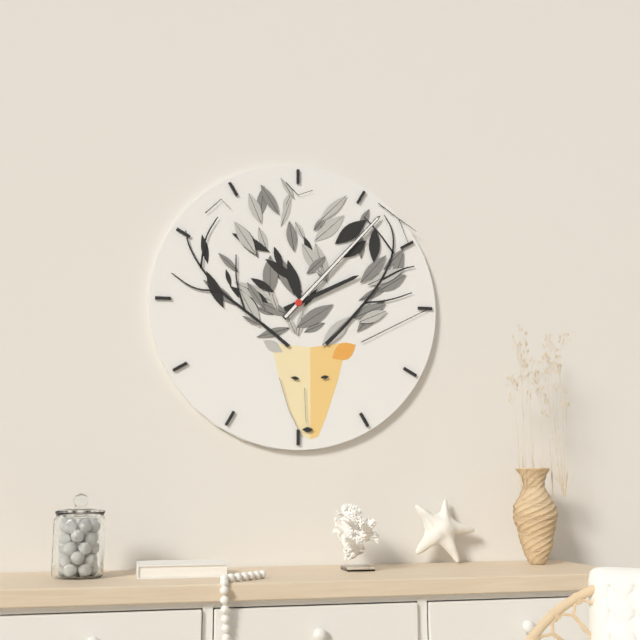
2:07
